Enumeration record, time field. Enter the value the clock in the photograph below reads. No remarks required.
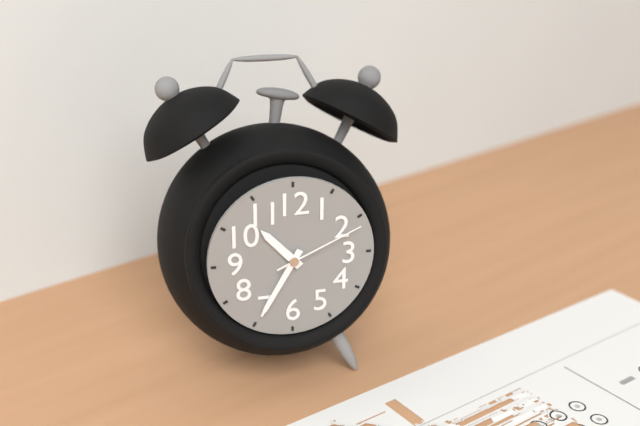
10:35:11
